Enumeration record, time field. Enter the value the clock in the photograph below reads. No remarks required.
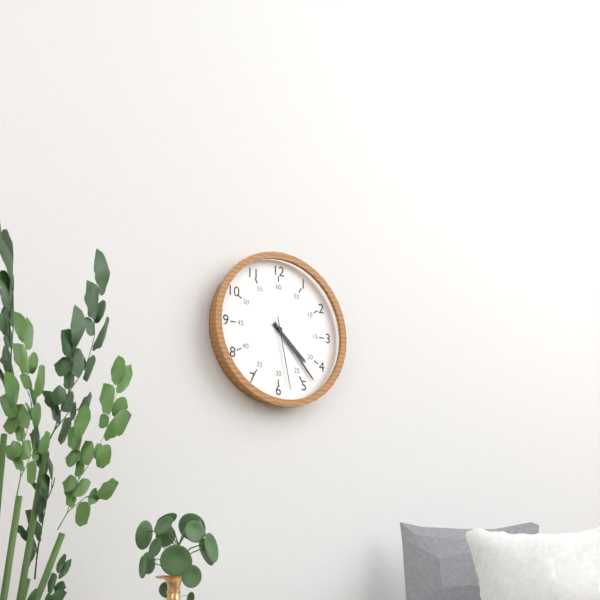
4:23:28
